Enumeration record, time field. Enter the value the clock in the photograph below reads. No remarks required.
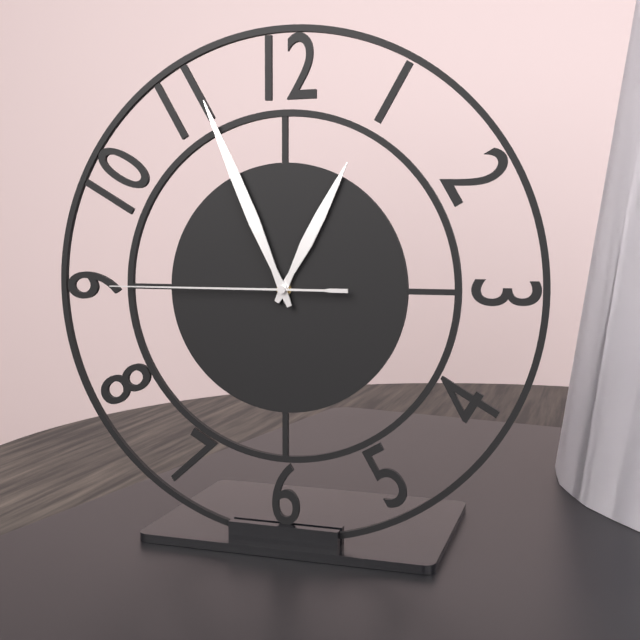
12:56:45
